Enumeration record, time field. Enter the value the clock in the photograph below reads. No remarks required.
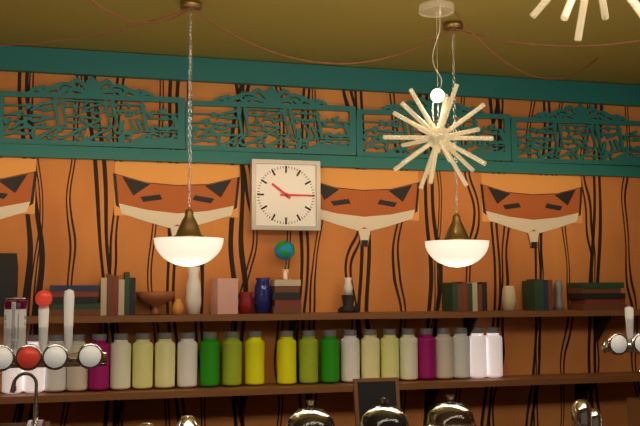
10:15
